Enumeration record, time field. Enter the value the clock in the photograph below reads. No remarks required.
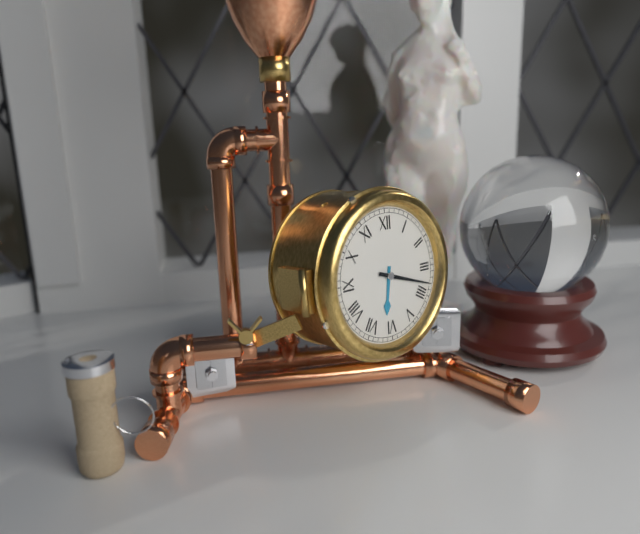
6:18
